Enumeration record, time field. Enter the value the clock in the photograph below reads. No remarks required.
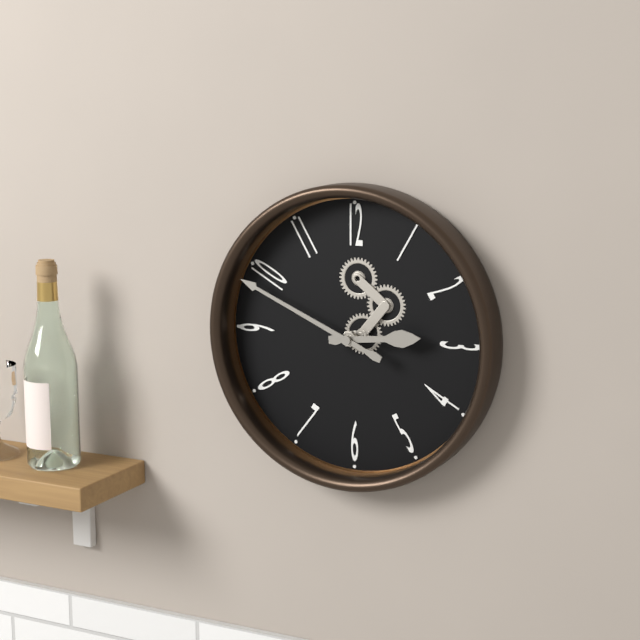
2:49
